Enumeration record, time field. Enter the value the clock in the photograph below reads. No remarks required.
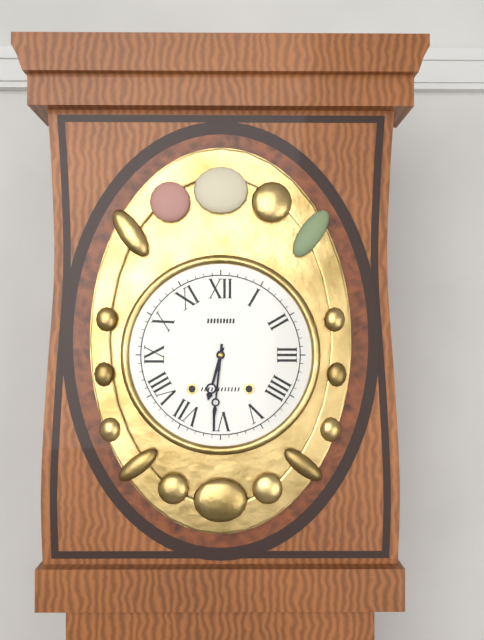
6:31
